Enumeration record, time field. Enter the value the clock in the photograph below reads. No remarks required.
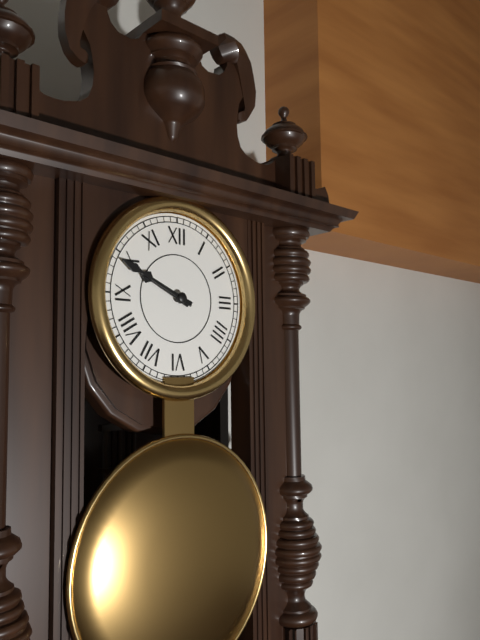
9:49
